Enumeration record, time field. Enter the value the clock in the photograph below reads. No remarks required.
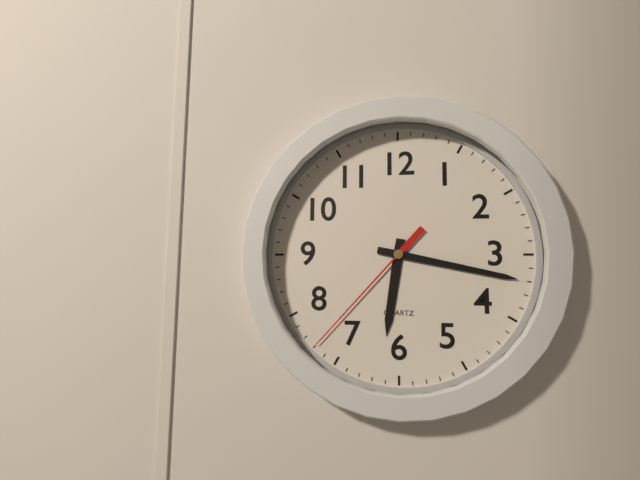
6:17:37
